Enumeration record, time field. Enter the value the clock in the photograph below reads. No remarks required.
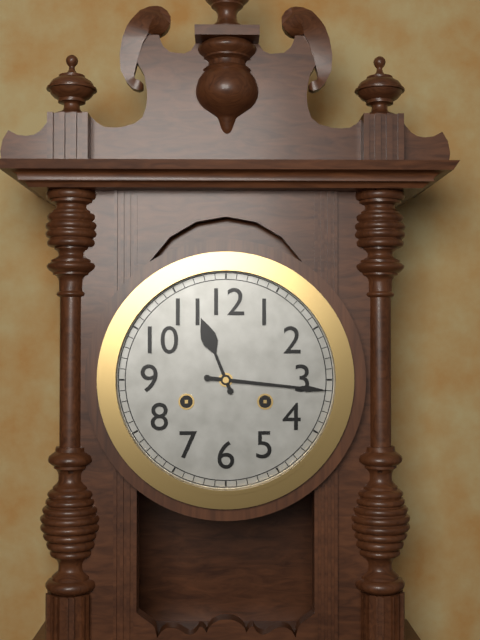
11:16
